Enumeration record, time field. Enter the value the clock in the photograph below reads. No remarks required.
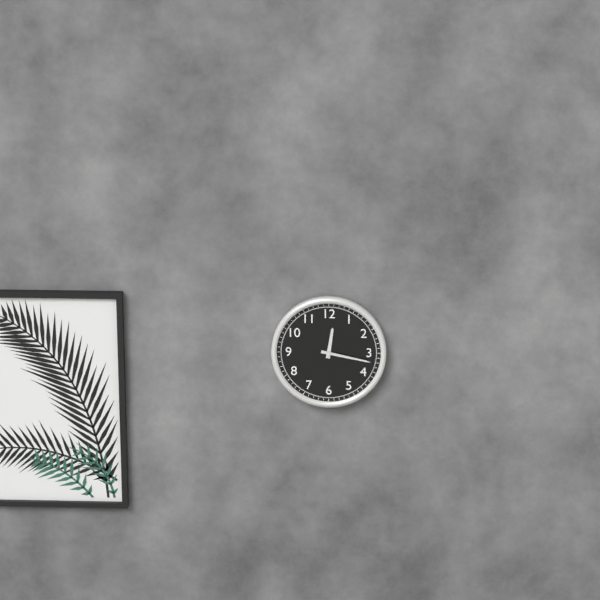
12:17
